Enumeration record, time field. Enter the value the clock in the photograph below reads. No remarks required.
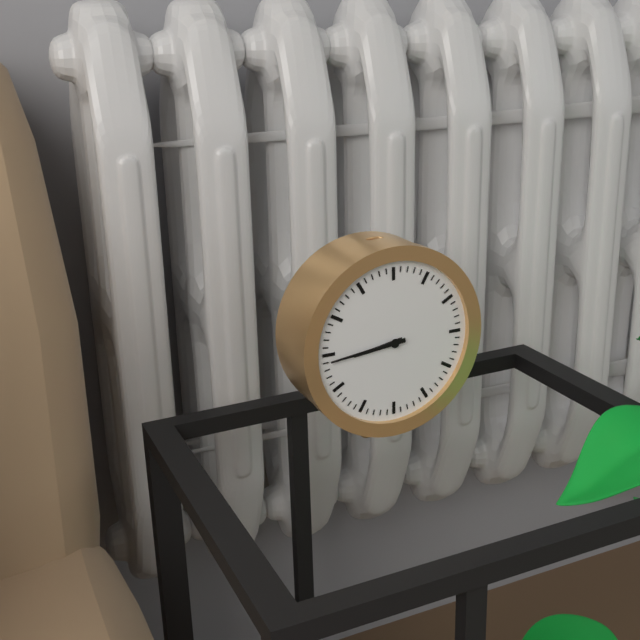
8:44
